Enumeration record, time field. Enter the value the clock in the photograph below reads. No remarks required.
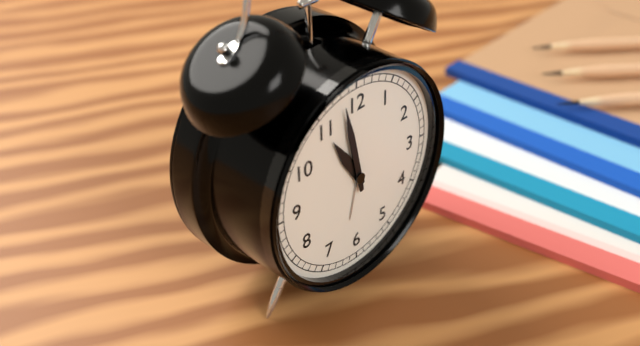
10:58
